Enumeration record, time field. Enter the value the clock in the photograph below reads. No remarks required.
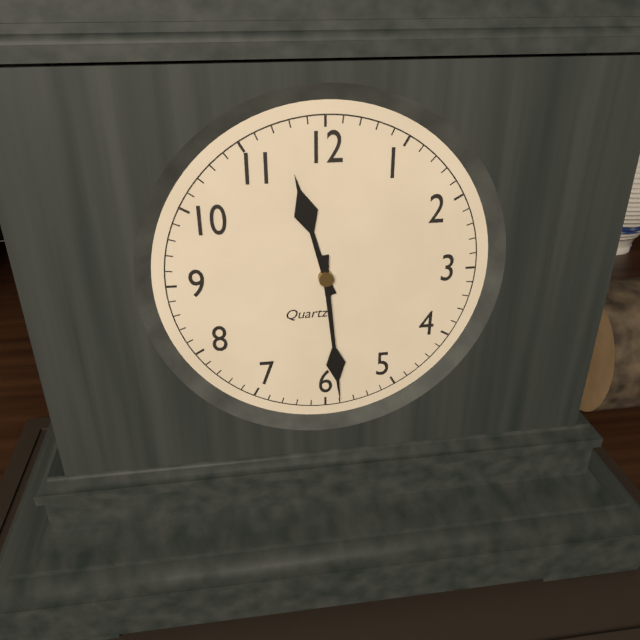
11:29
